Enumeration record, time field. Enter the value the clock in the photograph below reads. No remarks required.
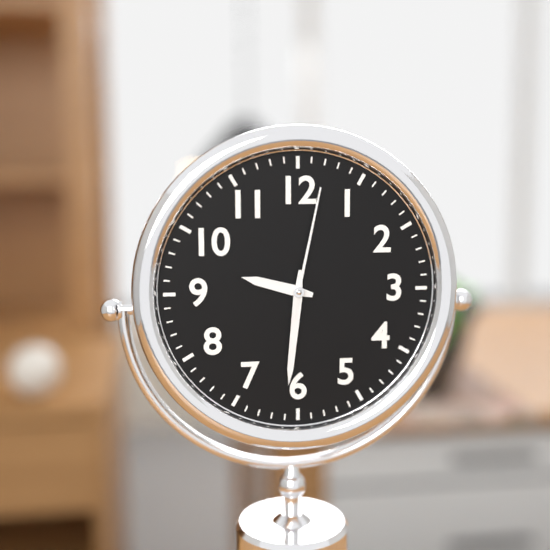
9:31:02
